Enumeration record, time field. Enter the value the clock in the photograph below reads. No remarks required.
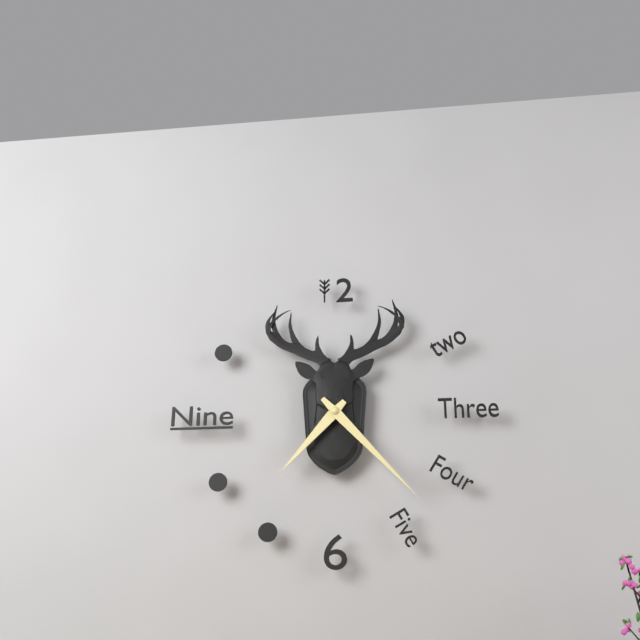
7:23
